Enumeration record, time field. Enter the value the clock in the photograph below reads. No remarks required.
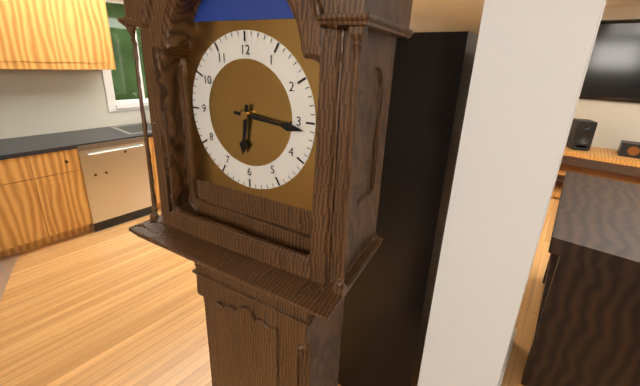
6:16
